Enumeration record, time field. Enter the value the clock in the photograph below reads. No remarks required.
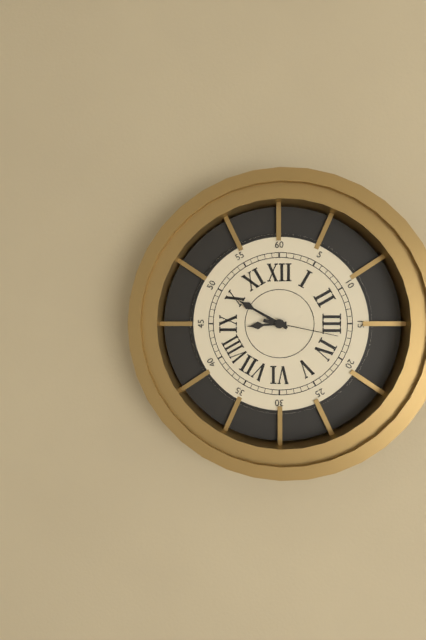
8:50:17
